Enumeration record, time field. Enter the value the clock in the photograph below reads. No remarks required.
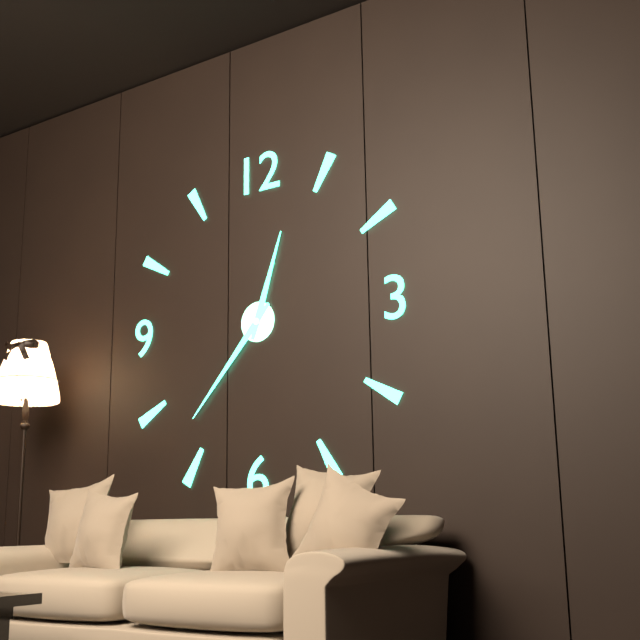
12:37
